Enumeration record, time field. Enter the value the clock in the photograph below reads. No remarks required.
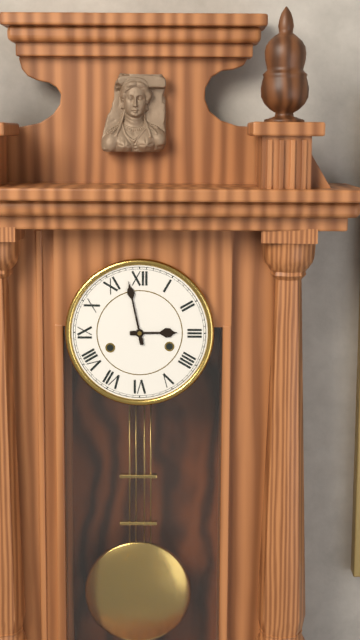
2:58
